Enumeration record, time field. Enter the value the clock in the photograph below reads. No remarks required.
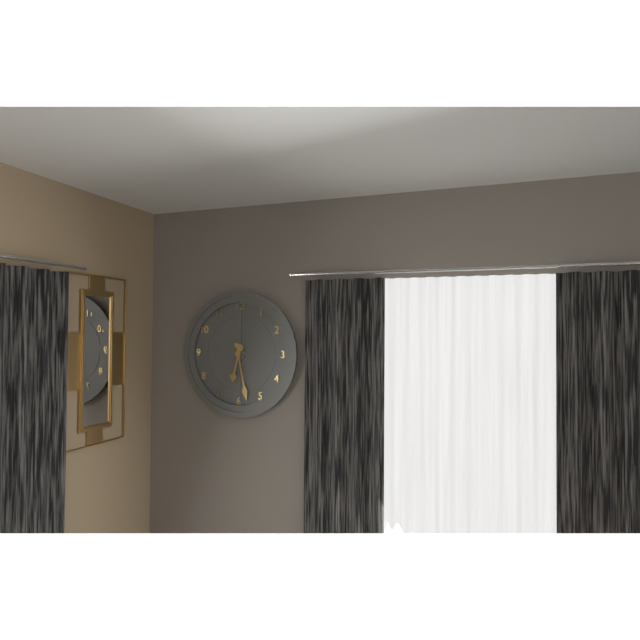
6:28
